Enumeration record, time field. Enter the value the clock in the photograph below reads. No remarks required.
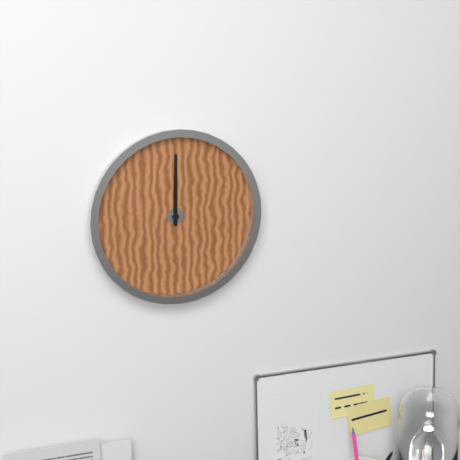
12:00
